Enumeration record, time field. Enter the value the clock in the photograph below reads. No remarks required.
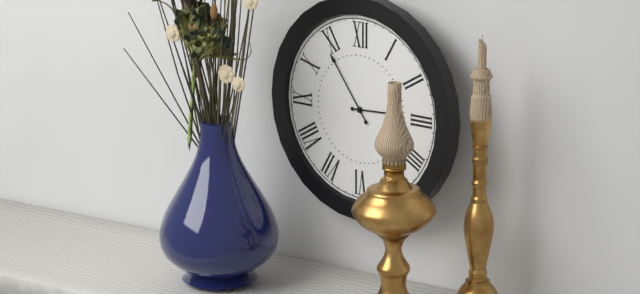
2:54
